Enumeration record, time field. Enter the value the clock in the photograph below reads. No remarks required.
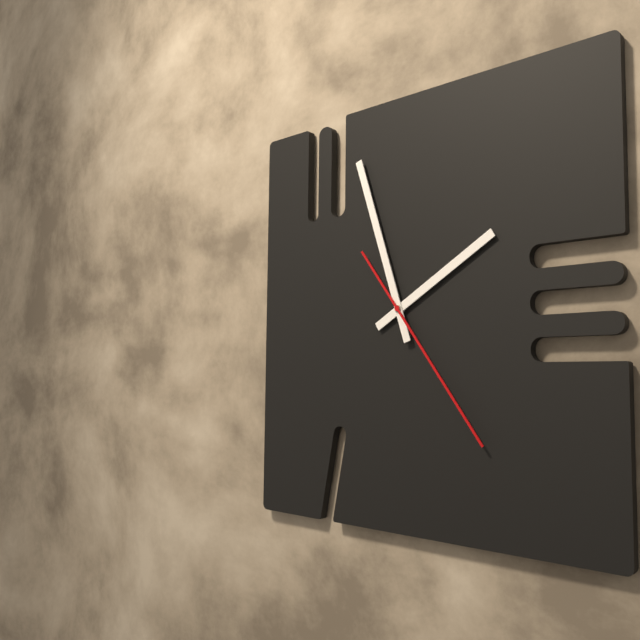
1:57:24
